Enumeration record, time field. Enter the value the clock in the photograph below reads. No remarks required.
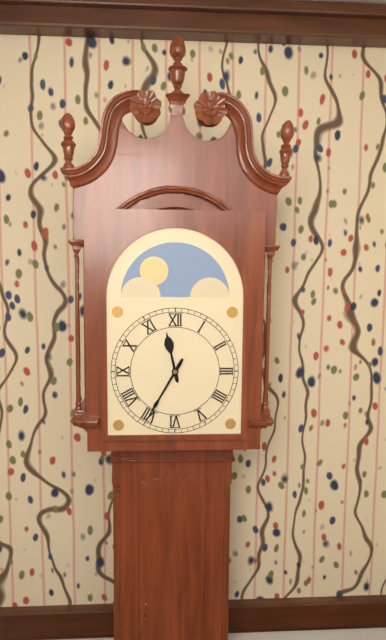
11:35
